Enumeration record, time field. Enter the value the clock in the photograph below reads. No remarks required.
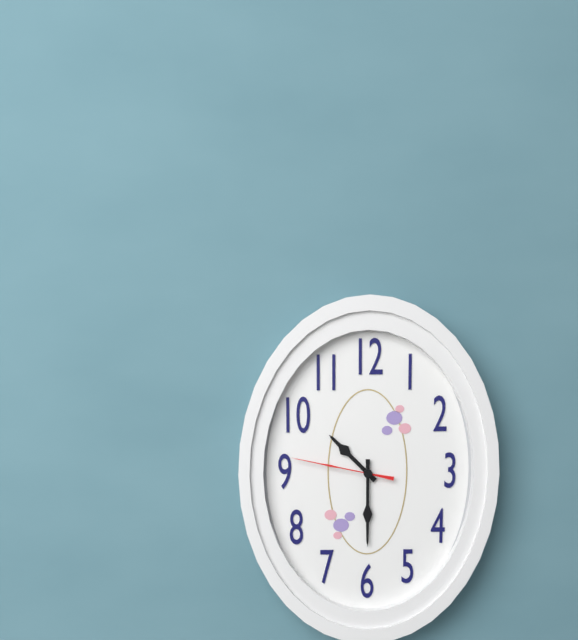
10:30:47
